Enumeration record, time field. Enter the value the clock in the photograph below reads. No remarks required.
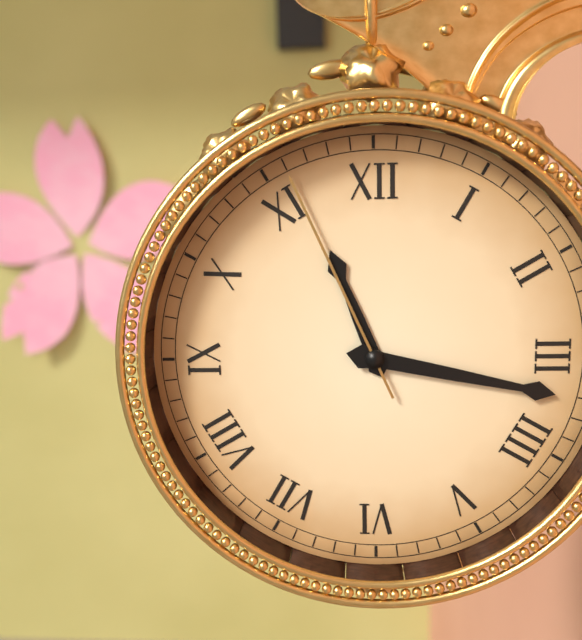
11:17:56
